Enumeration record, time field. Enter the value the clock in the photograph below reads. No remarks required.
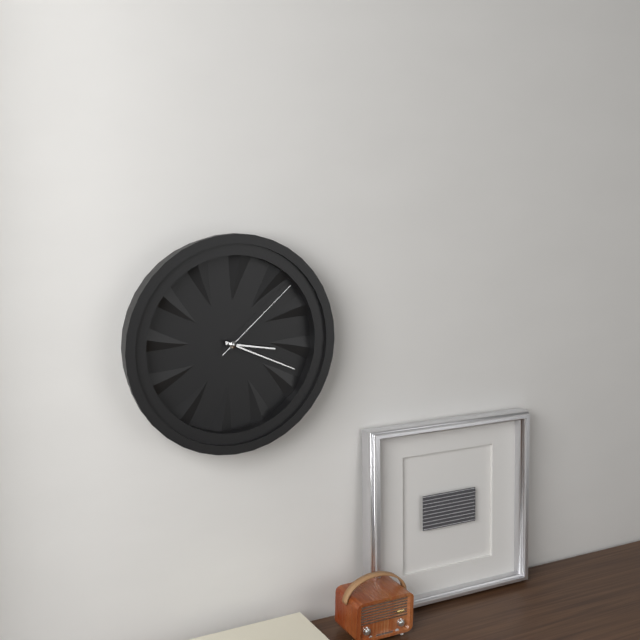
3:19:08
